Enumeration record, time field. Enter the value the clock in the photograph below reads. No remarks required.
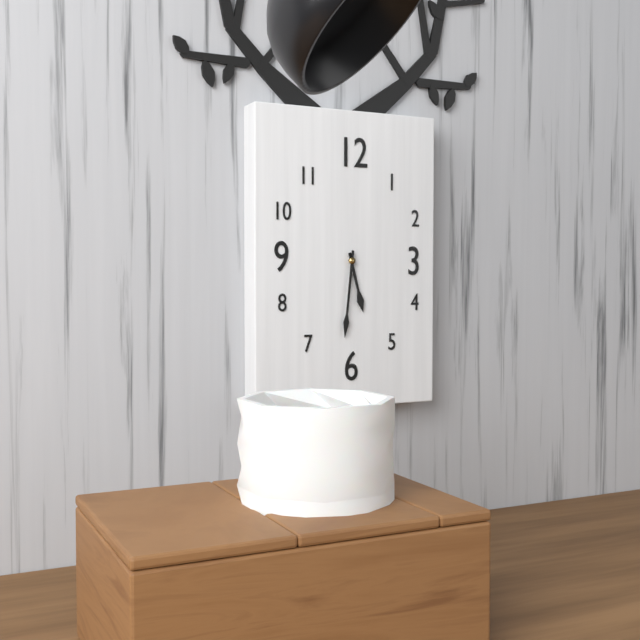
5:31
